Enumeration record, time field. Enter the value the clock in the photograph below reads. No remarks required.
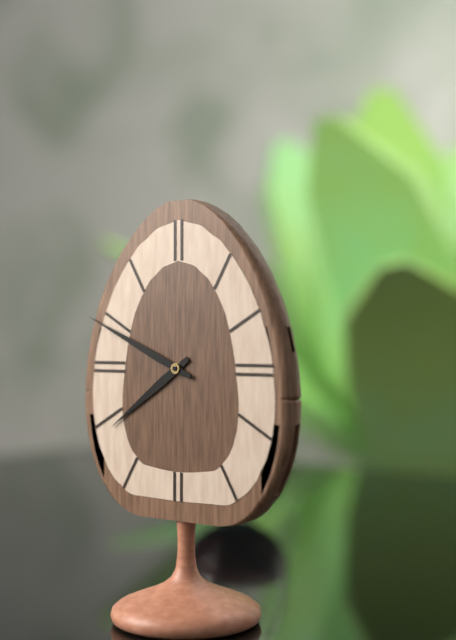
7:49
